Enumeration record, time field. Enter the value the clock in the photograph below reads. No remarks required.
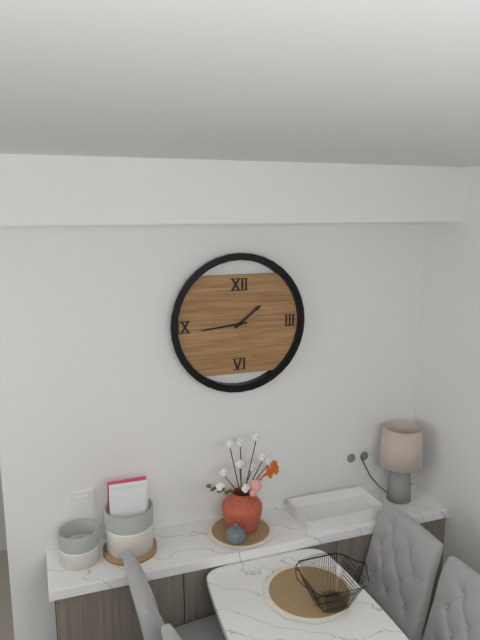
1:44
